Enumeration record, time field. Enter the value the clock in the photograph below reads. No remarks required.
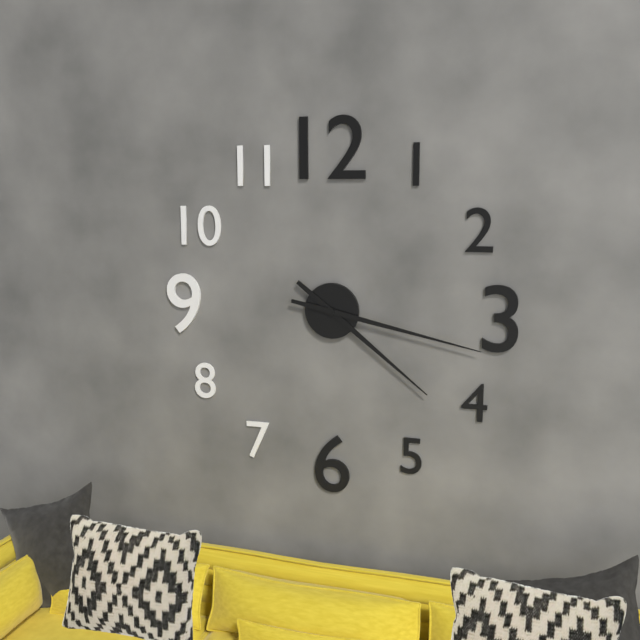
4:17
